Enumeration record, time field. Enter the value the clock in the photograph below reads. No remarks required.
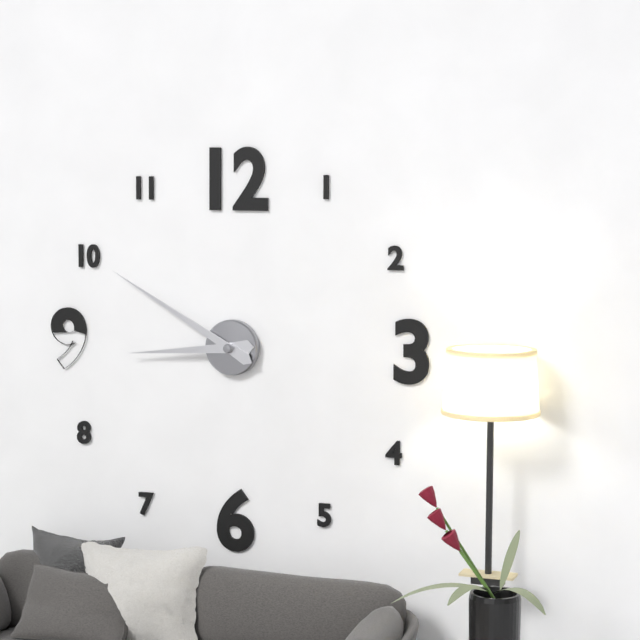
8:50
